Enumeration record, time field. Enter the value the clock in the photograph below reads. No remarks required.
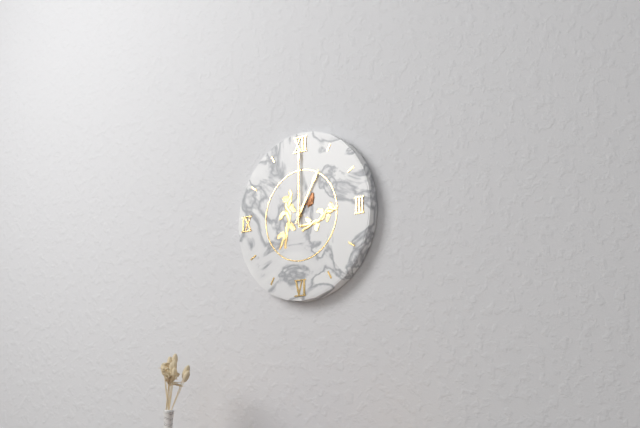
1:00
